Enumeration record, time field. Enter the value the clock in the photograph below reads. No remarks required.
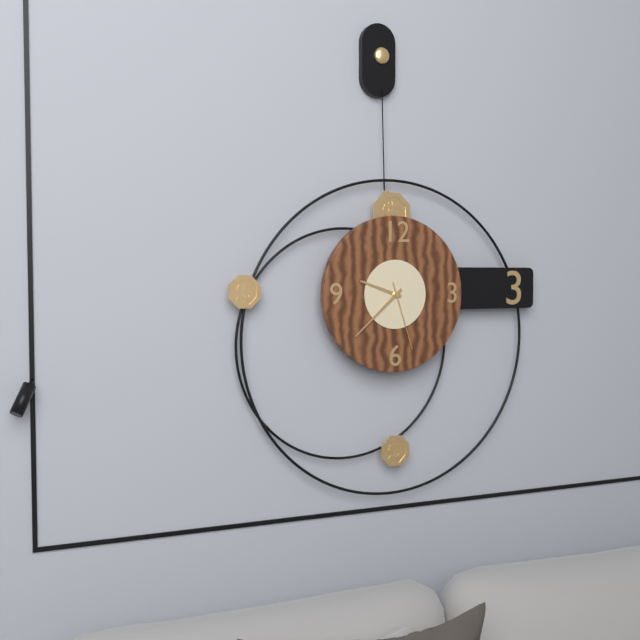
9:38:27
